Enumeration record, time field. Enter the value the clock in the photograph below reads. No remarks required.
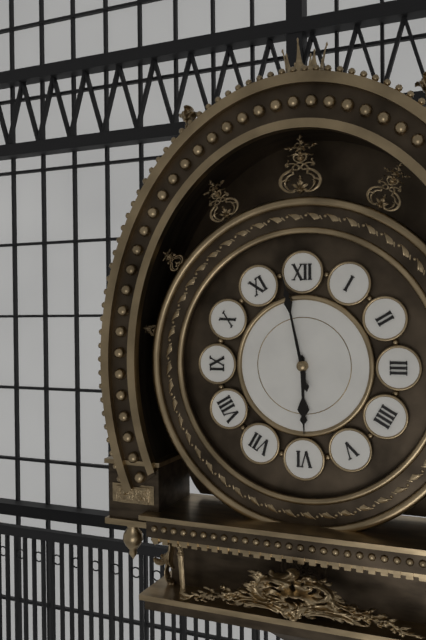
5:58
